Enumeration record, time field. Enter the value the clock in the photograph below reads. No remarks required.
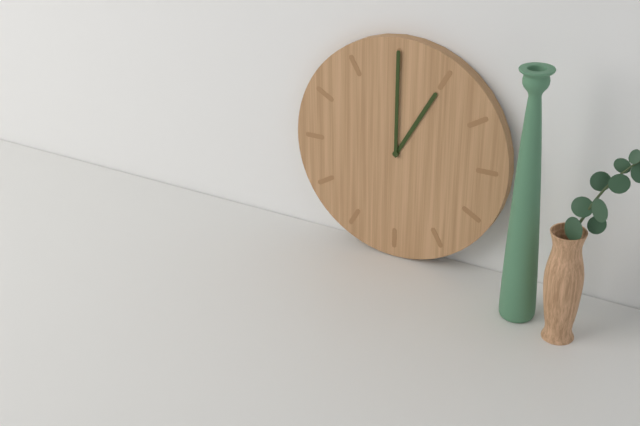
1:00
